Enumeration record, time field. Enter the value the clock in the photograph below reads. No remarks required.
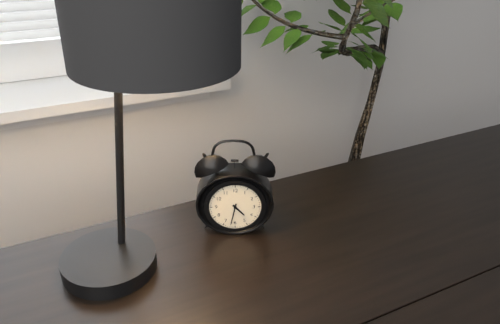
4:32
